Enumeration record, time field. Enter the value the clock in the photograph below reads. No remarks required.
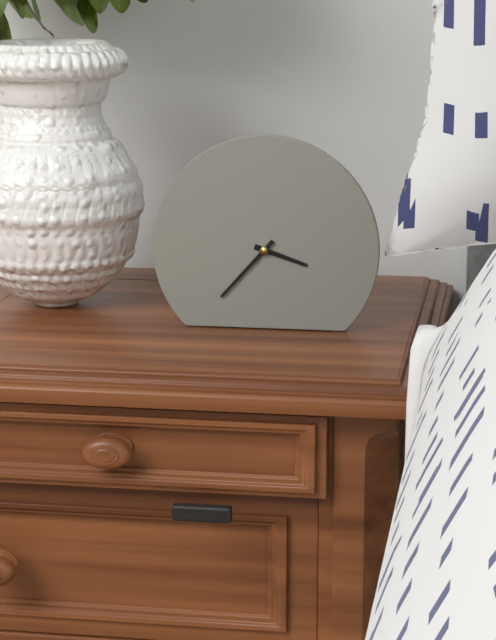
3:37
